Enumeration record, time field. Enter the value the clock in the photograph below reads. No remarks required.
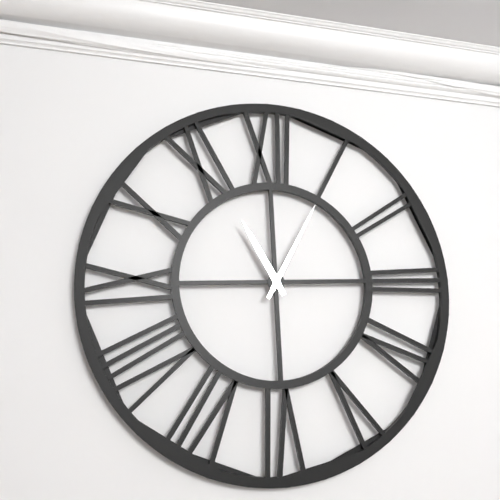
11:05
